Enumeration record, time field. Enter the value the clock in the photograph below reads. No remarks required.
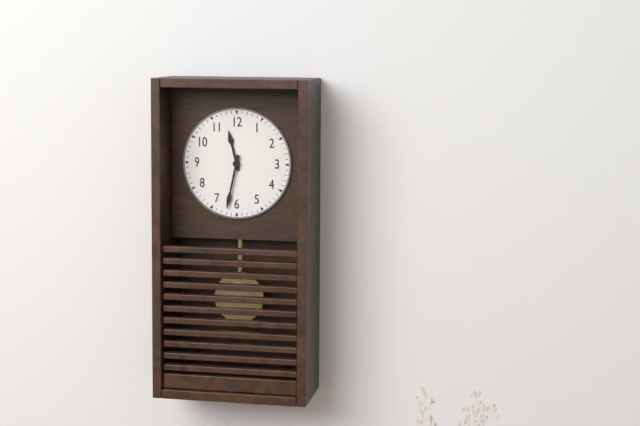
11:32
